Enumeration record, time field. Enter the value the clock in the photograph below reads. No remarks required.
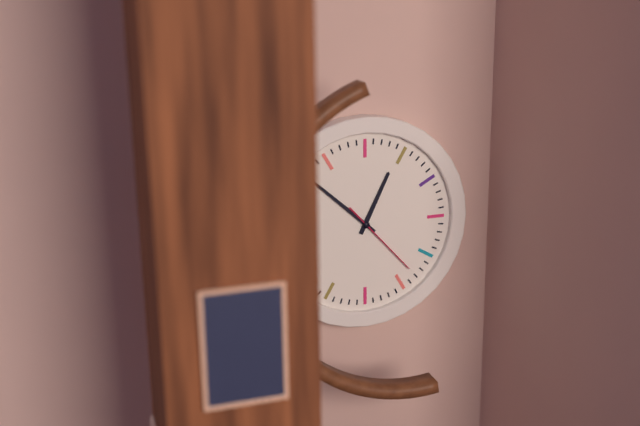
12:52:23
